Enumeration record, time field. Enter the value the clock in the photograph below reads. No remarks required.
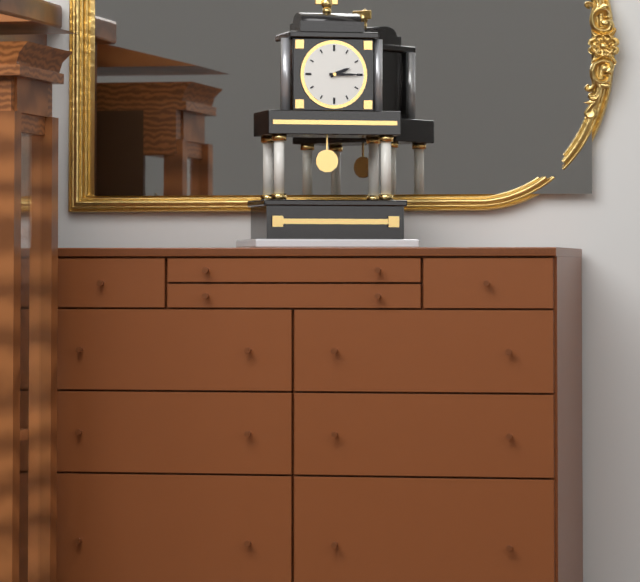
2:15
